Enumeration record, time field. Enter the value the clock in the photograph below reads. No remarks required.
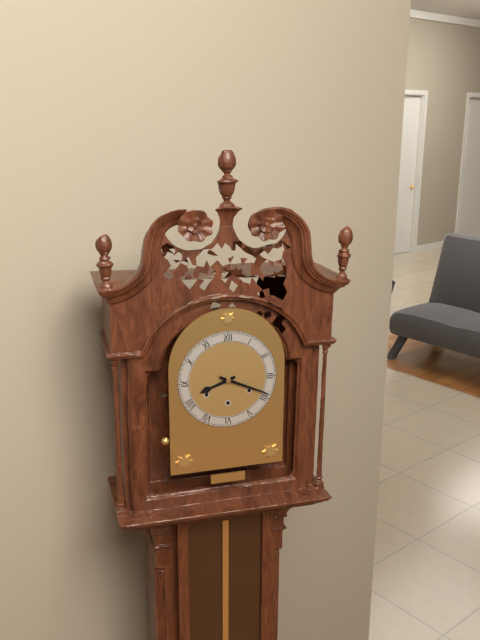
8:19
